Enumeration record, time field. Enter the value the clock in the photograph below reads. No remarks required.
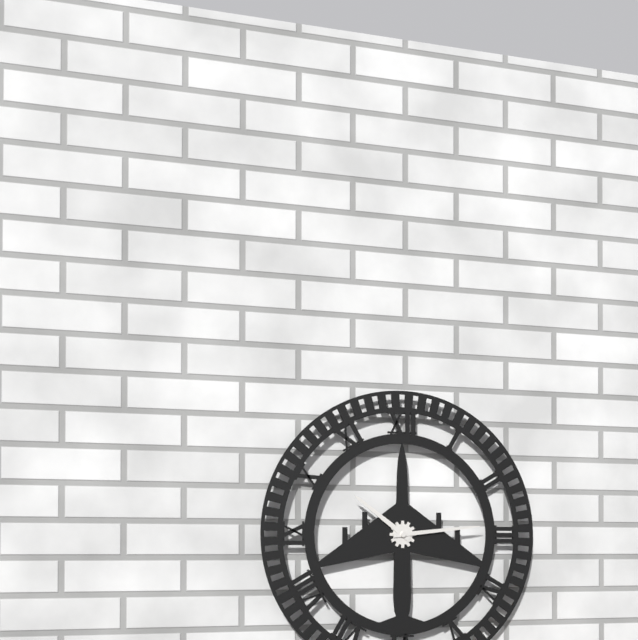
10:14
